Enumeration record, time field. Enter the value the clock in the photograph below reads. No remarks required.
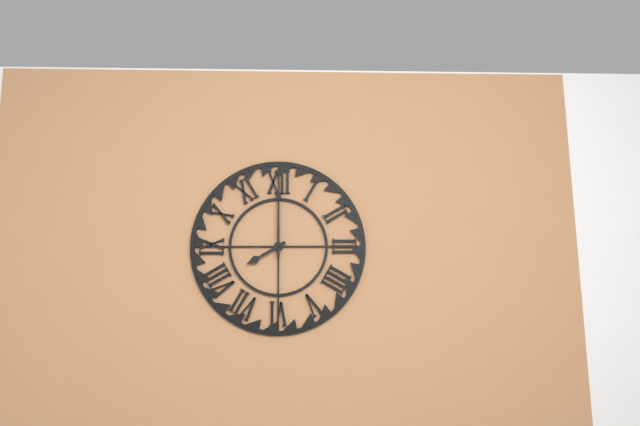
8:00
